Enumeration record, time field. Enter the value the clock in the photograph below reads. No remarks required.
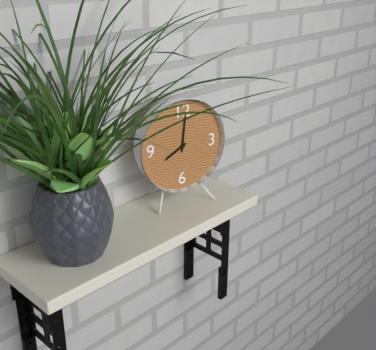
8:01
